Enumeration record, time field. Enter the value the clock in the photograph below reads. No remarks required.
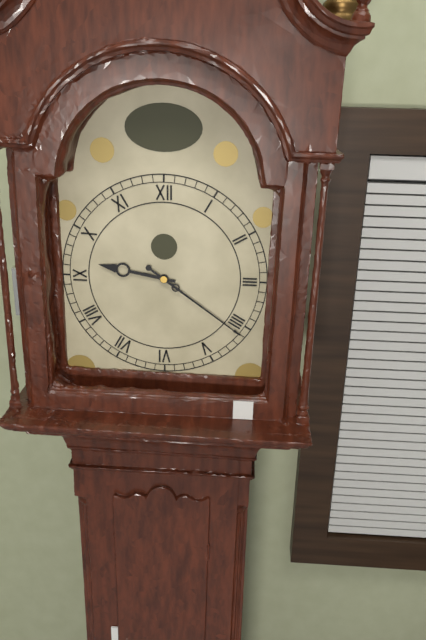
9:21
